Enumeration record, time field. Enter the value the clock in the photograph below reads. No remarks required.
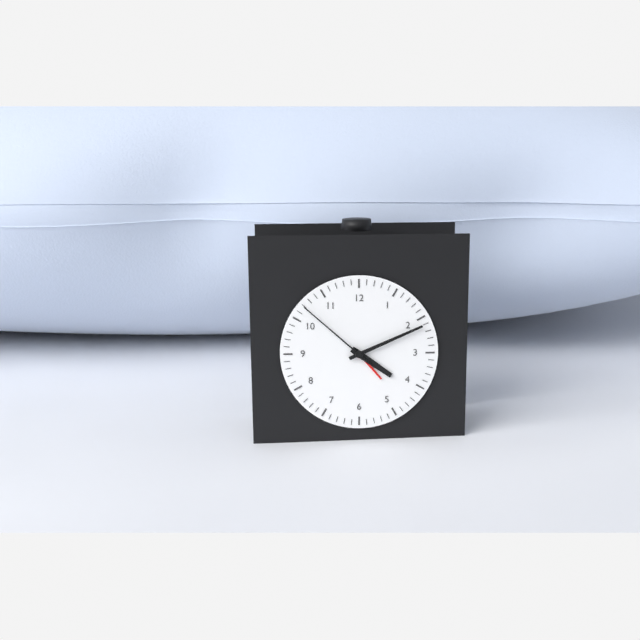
4:11:52
